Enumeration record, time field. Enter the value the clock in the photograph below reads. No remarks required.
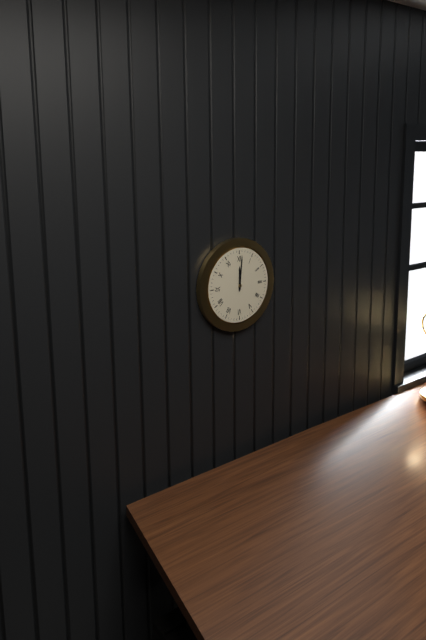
12:01
